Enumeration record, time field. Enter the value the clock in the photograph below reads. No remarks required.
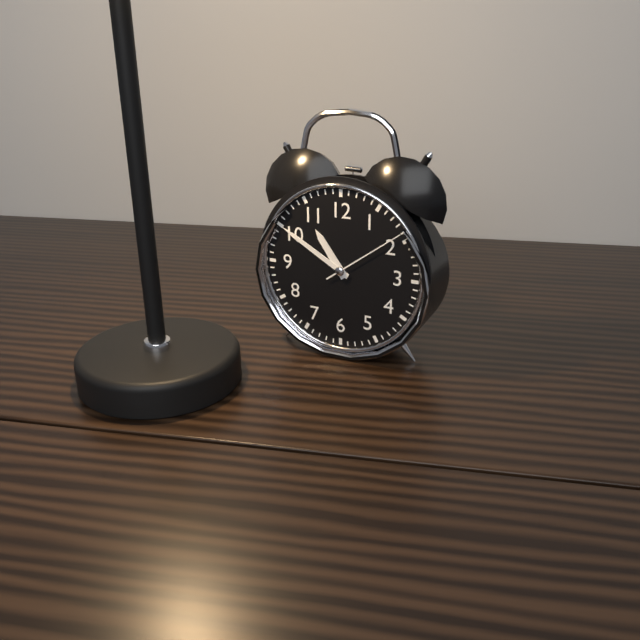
10:50:09
